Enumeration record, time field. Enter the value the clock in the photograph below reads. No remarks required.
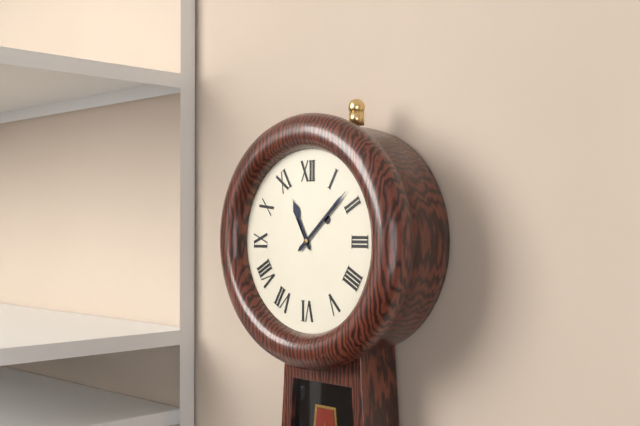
11:08
